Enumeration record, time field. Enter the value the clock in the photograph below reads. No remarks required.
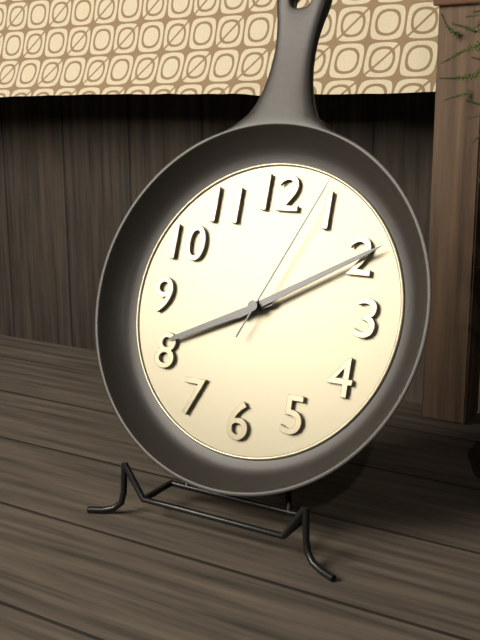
8:10:04
